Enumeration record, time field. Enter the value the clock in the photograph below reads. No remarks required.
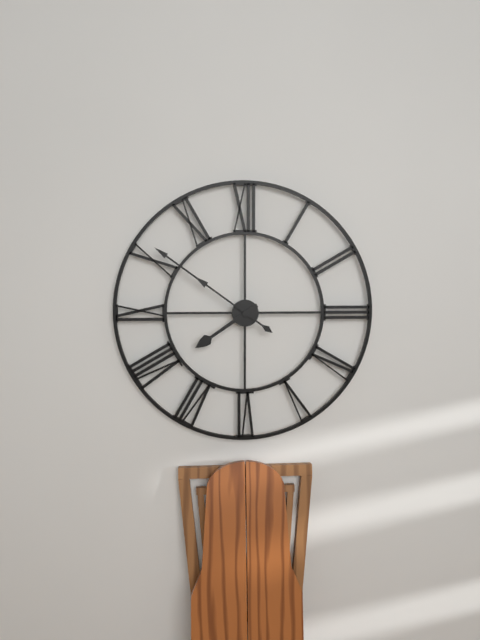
7:51
